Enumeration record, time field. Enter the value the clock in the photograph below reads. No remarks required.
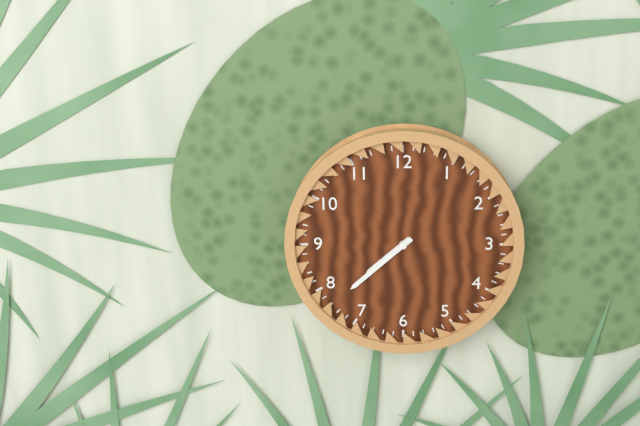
7:38
